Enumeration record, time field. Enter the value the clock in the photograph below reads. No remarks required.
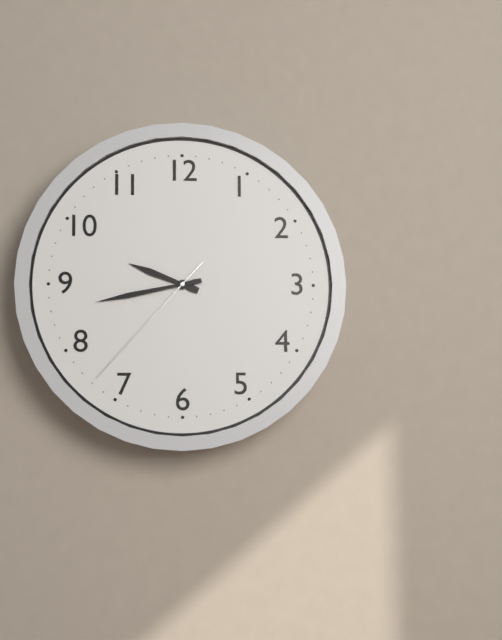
9:43:37
